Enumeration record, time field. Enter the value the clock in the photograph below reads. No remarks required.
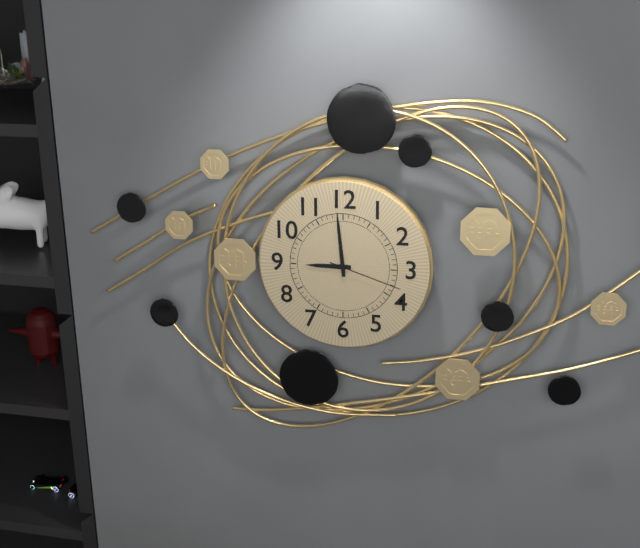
8:59:18
